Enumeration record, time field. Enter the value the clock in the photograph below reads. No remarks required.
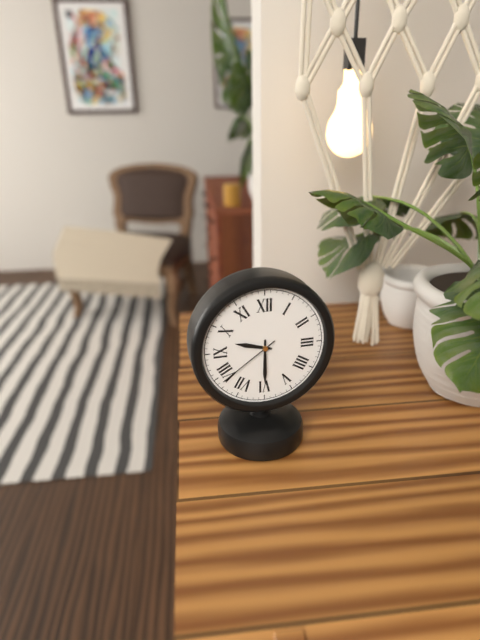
9:30:39
